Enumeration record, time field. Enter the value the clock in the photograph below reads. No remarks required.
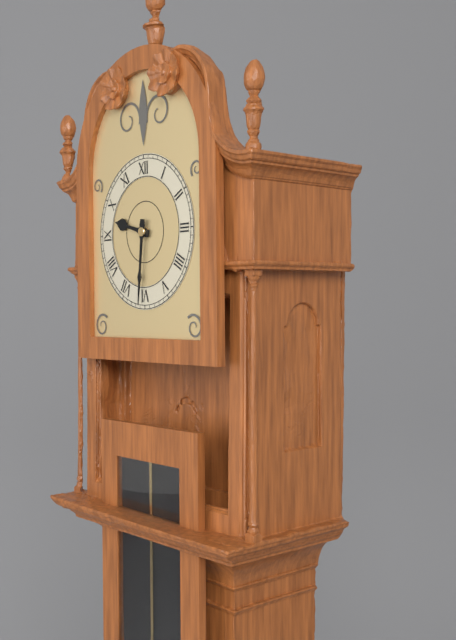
9:31
